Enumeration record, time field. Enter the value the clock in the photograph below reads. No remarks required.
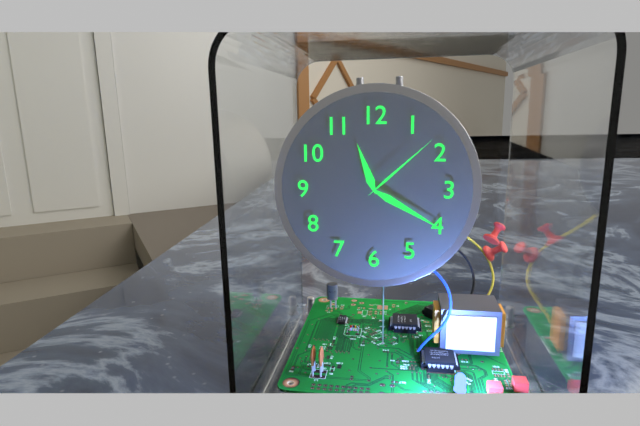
11:20:08
